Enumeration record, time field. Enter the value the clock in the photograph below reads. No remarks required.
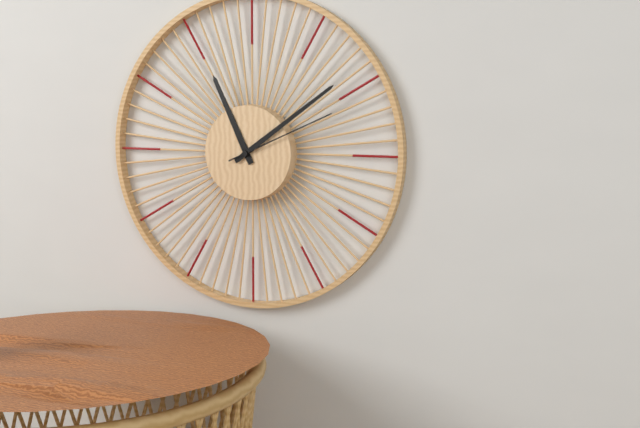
11:09:11
